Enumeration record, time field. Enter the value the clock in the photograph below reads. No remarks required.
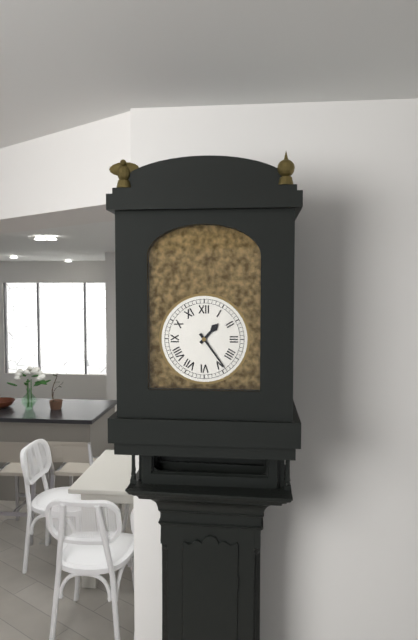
1:24
